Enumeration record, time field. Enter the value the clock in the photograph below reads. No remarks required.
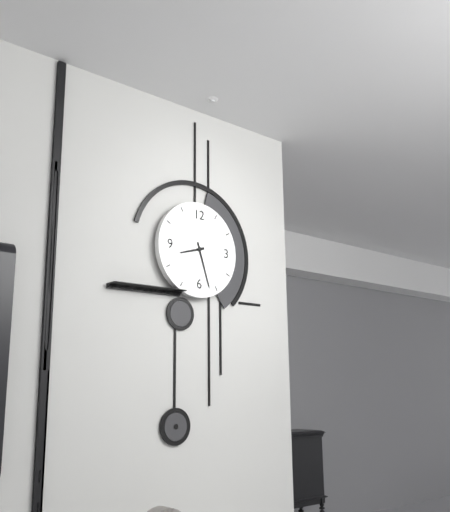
8:27
